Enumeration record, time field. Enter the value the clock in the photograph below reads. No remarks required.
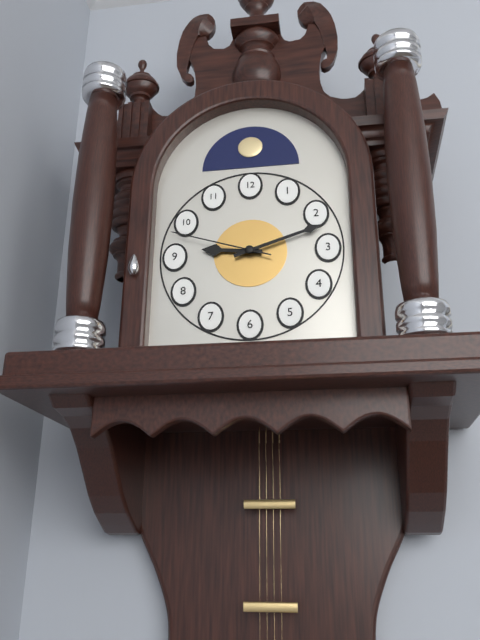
9:12:48
